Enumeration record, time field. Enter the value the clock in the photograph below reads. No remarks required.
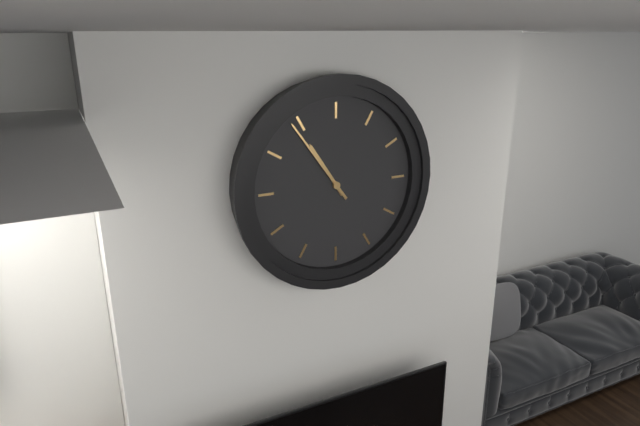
10:54
